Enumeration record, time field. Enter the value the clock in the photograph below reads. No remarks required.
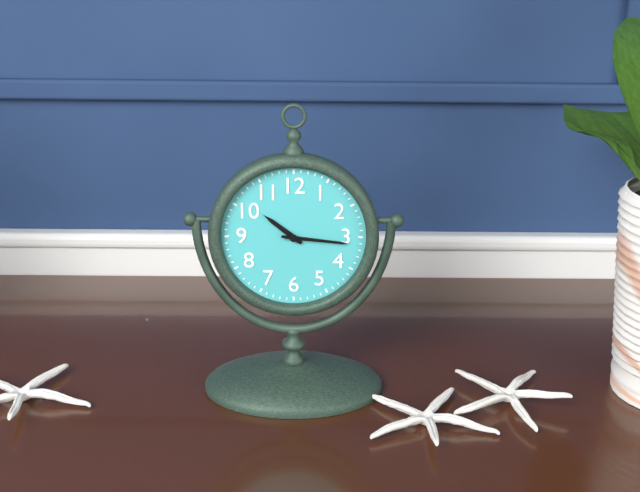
10:16
